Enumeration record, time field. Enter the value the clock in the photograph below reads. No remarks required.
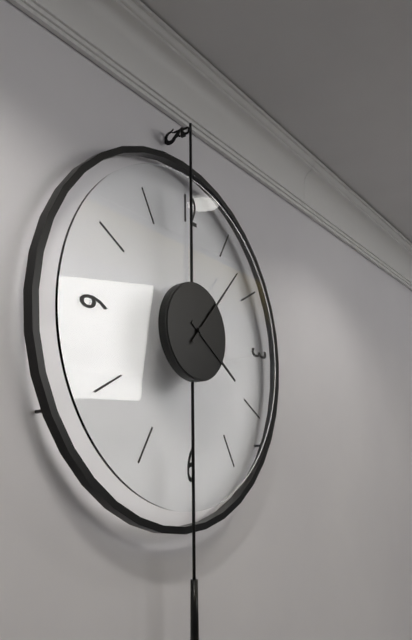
4:07
